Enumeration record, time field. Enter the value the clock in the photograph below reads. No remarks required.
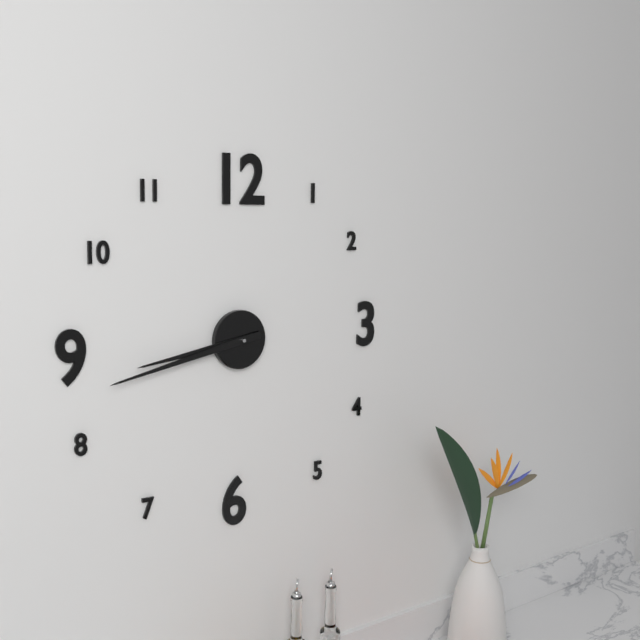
8:43
